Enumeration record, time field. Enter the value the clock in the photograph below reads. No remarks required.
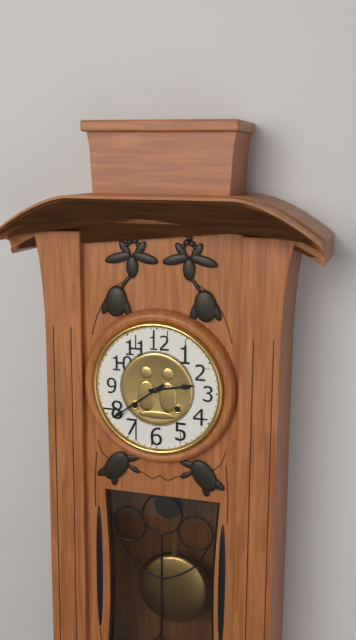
2:39
